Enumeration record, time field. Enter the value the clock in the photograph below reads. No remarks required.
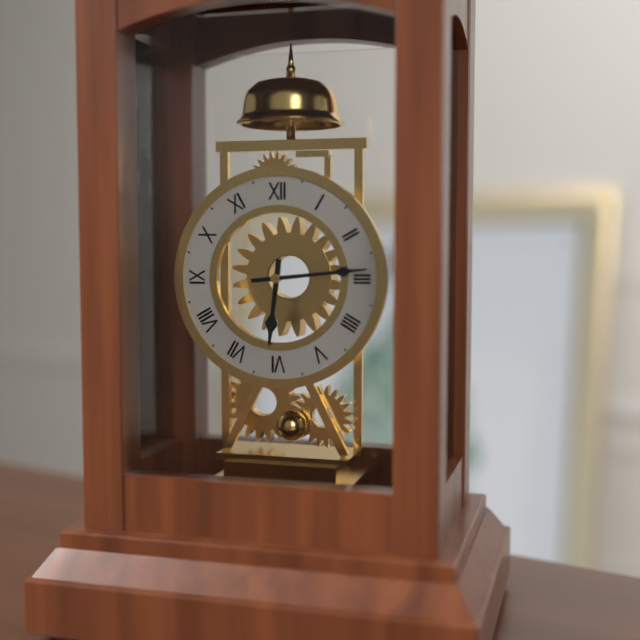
6:14
